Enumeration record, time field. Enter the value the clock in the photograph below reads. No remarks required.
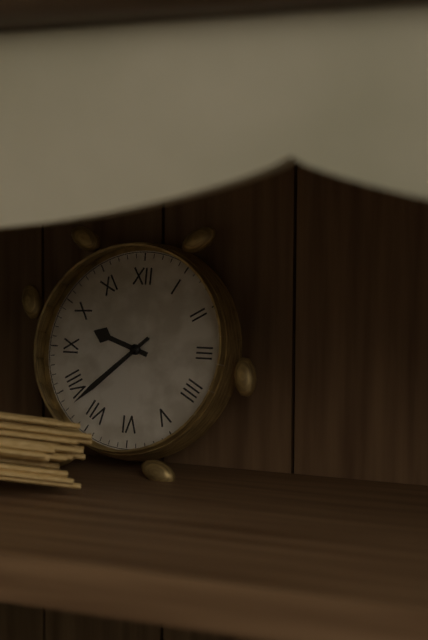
9:38
